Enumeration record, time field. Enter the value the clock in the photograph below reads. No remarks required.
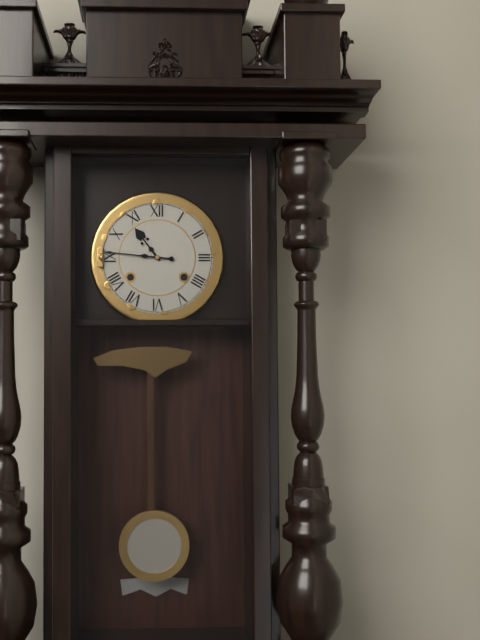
10:46
